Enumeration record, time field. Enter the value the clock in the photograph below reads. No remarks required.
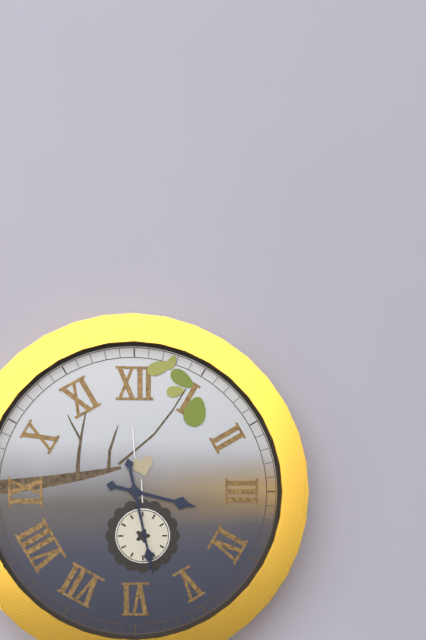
3:28
